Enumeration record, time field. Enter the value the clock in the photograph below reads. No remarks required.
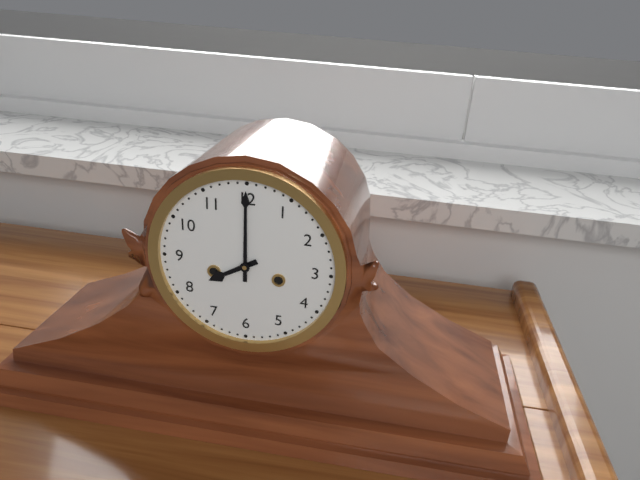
8:00
